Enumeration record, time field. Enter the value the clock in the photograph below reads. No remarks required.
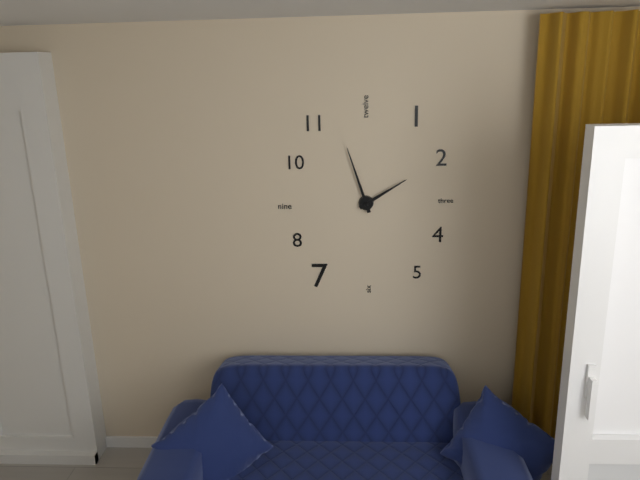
1:57
